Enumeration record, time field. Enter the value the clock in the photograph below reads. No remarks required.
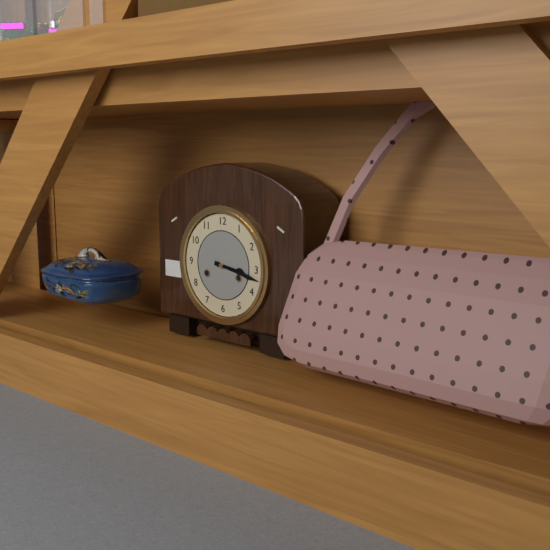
3:17
